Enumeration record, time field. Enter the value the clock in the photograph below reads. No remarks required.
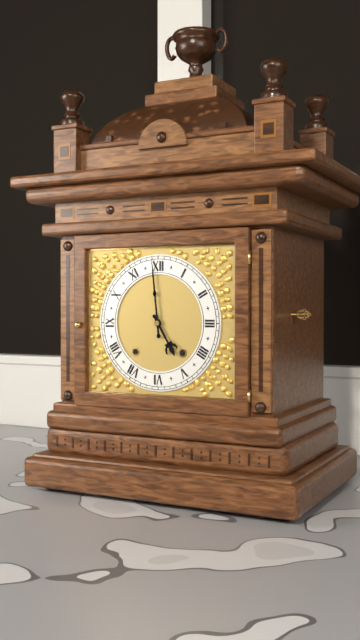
4:59
